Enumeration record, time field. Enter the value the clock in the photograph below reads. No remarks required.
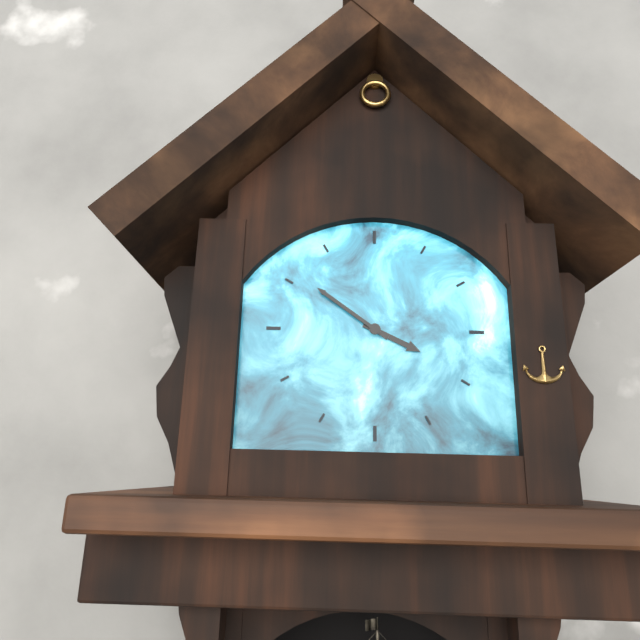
3:51
